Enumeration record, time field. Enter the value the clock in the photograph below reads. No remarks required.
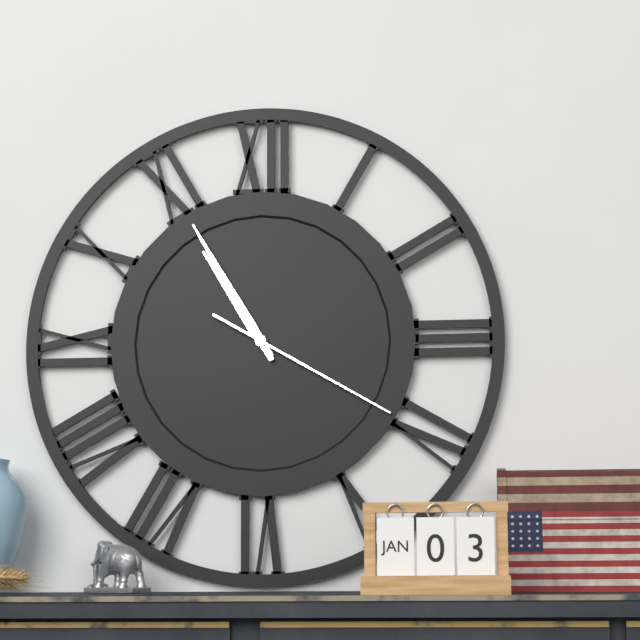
10:55:20
